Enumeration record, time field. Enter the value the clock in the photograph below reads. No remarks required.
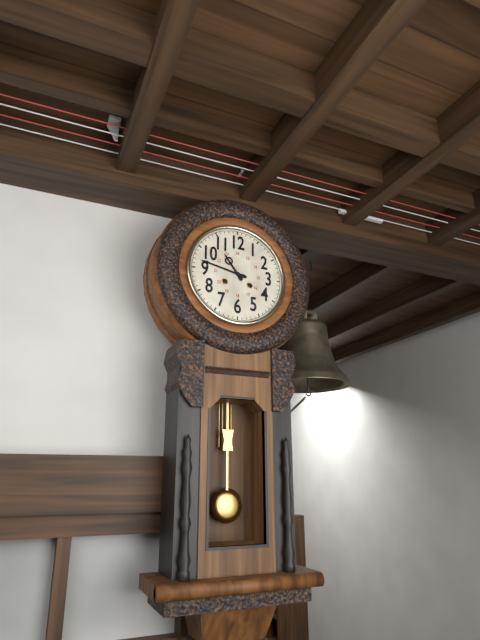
10:47
